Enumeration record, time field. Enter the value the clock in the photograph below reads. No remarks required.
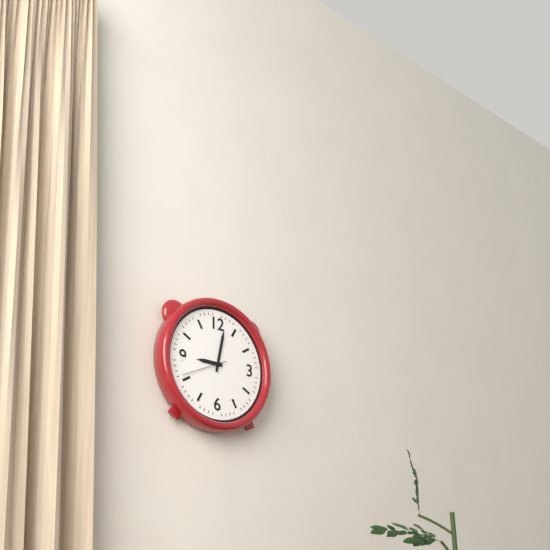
9:02
